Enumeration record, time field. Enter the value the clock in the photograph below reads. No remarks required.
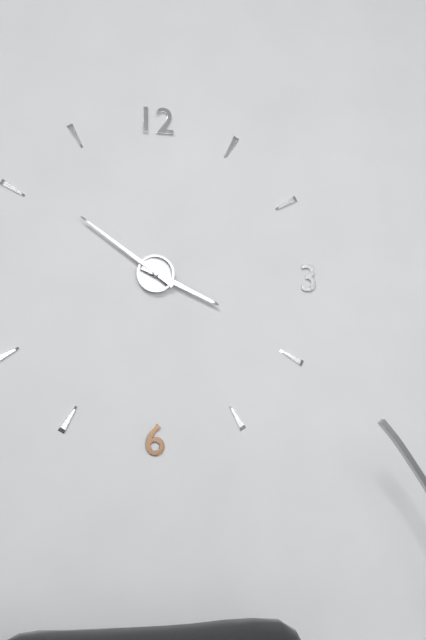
3:51
